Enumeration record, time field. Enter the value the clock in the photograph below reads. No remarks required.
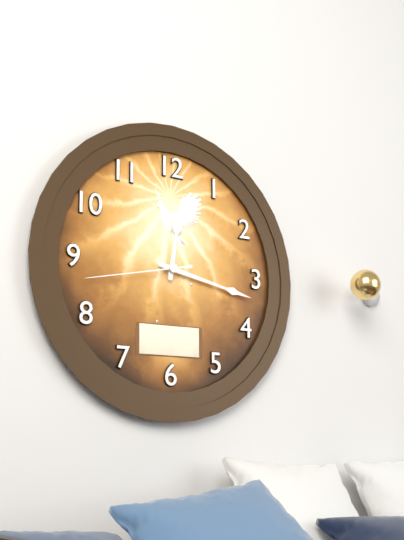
12:17:43
